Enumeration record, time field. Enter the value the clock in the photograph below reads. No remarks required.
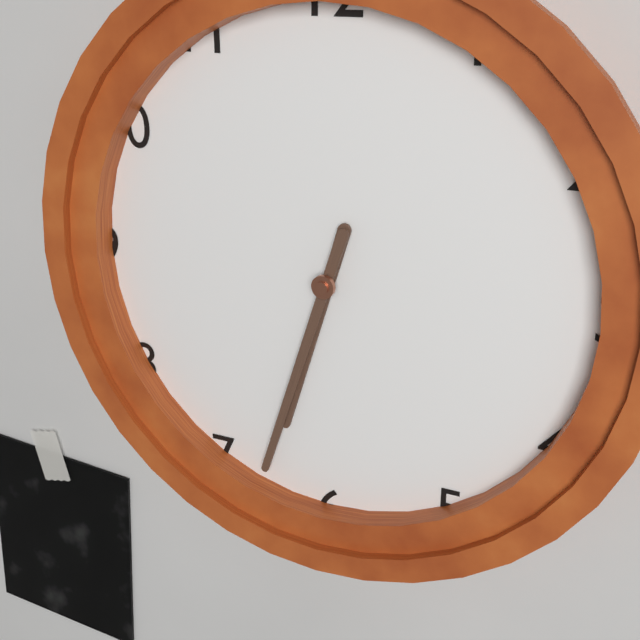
6:33
